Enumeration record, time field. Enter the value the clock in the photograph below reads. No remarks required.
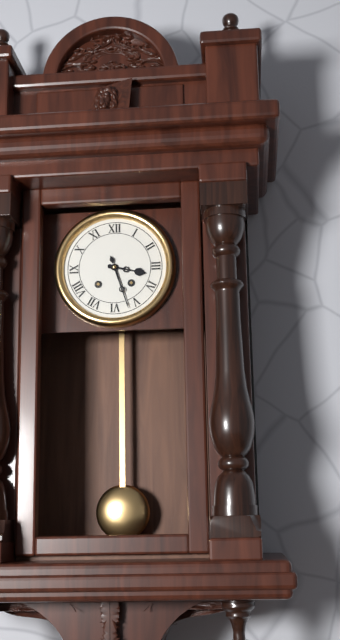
3:27
